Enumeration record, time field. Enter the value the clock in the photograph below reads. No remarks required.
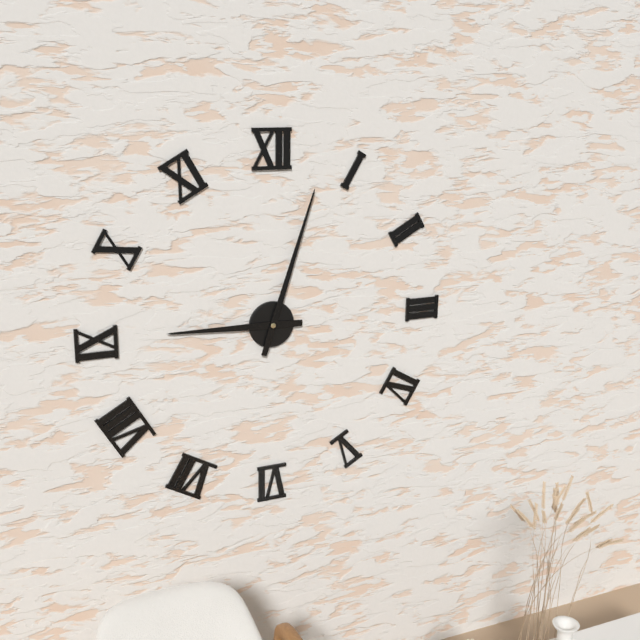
9:03
